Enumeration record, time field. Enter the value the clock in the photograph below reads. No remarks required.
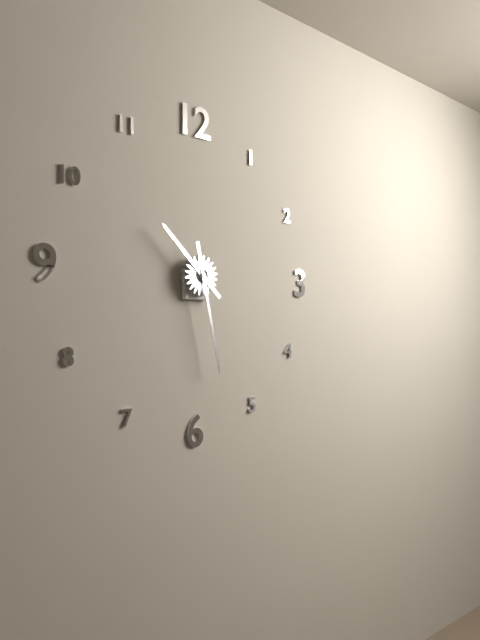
10:28
